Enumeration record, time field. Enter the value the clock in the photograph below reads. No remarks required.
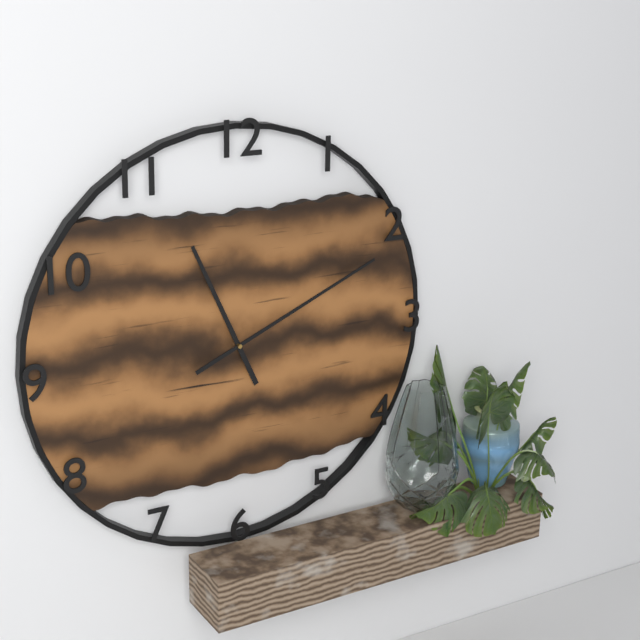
11:11
